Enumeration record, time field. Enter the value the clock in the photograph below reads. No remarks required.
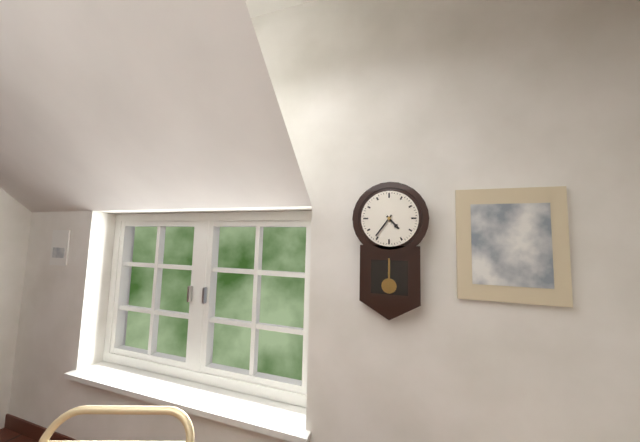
4:36
